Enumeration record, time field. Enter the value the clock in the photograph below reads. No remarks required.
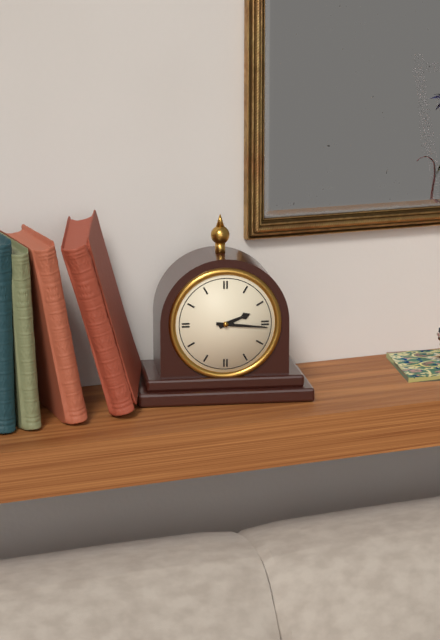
2:16
